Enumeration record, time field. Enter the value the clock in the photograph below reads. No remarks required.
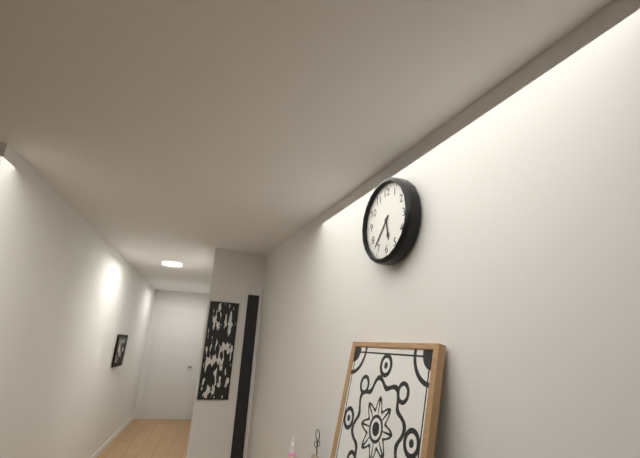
5:37
